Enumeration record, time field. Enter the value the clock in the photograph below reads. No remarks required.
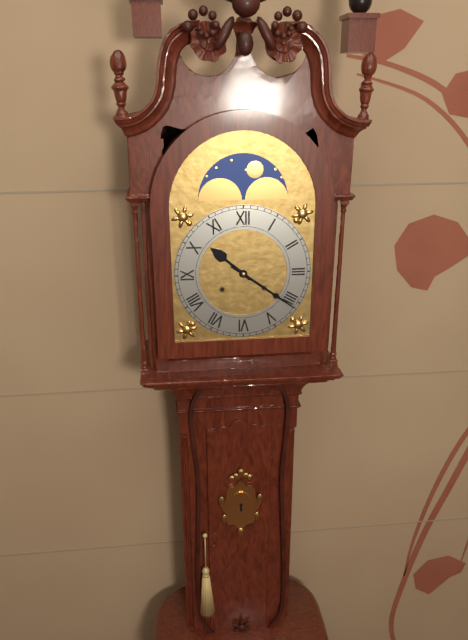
10:21
